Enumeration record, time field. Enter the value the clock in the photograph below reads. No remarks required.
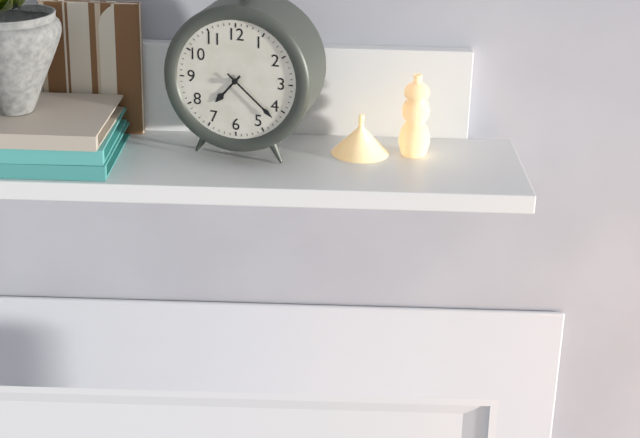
7:22
